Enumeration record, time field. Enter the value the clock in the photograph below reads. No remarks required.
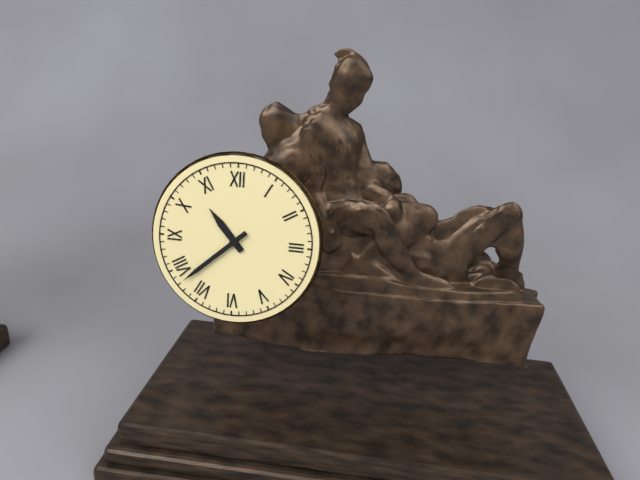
10:38
